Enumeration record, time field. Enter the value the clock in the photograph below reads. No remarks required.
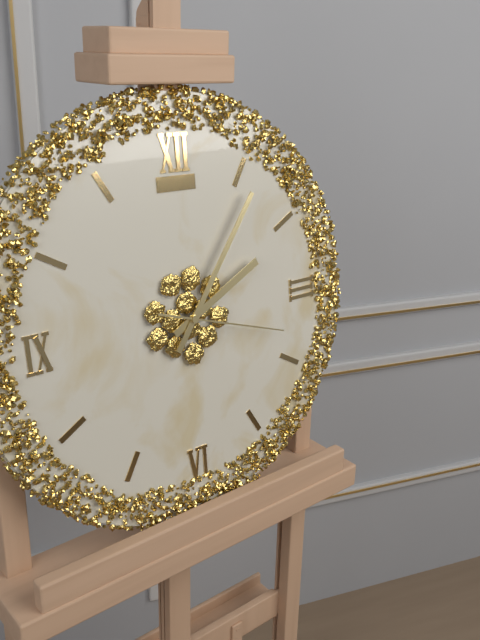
2:06:18
